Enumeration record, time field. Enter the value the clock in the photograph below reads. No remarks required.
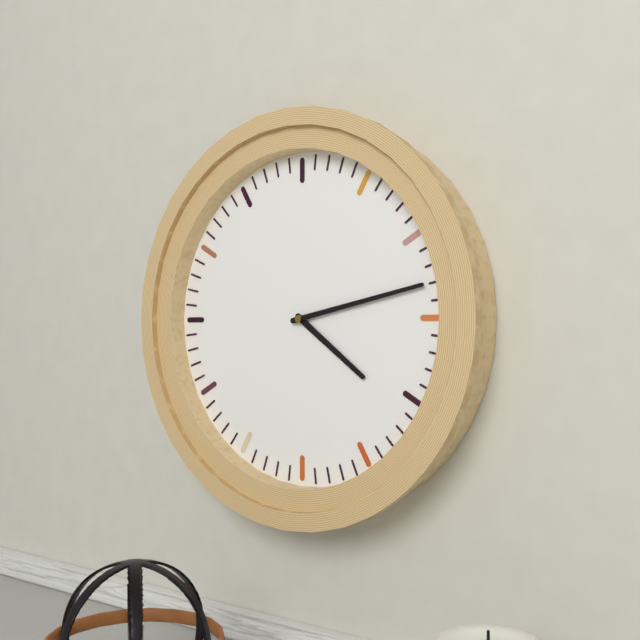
4:13
